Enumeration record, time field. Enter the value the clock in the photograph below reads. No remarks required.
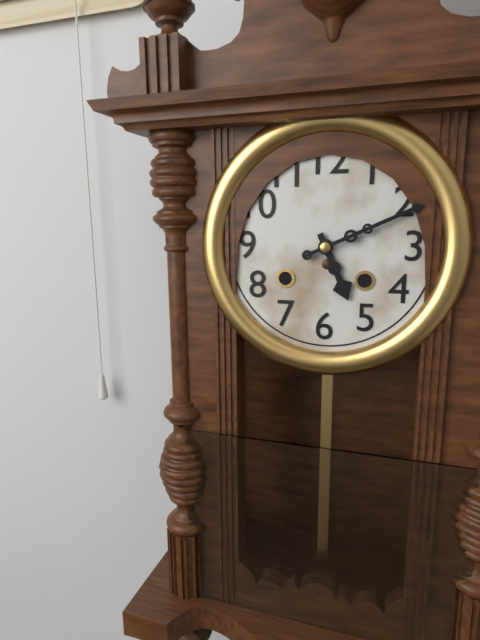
5:11
